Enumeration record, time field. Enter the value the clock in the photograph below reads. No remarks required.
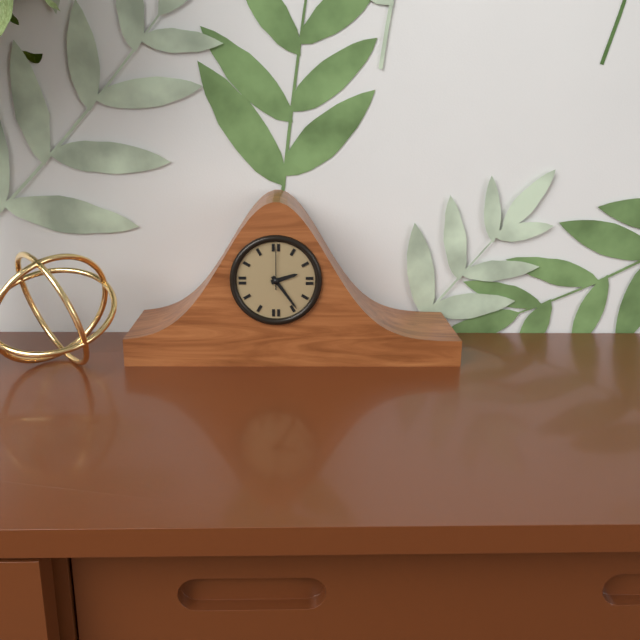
2:24
